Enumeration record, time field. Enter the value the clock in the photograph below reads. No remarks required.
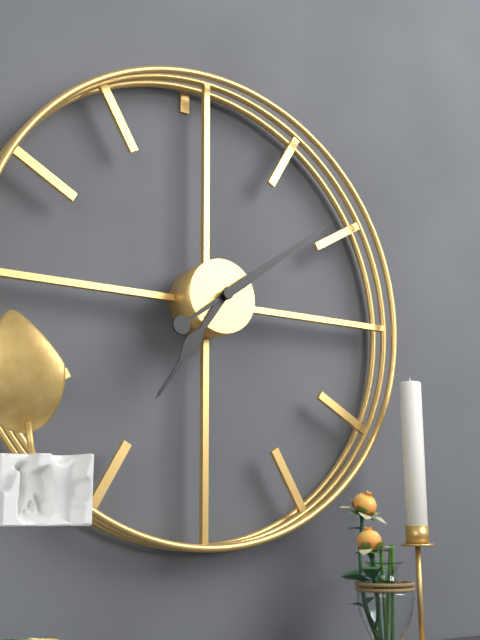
7:09
